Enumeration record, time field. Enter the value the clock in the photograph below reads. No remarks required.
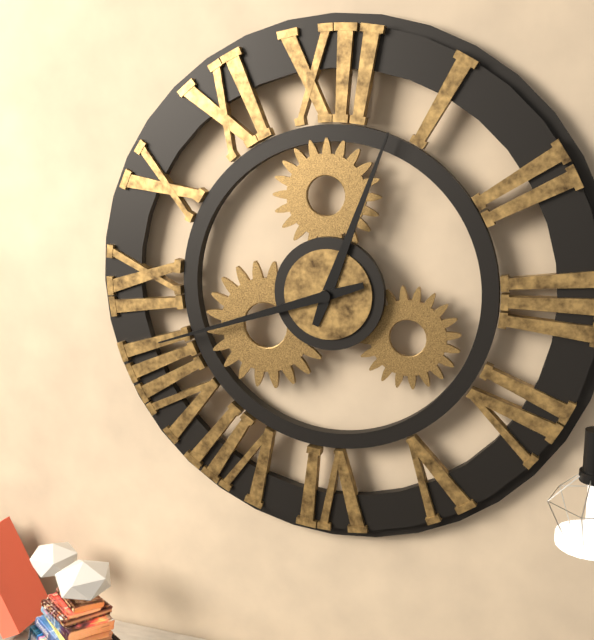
12:42
